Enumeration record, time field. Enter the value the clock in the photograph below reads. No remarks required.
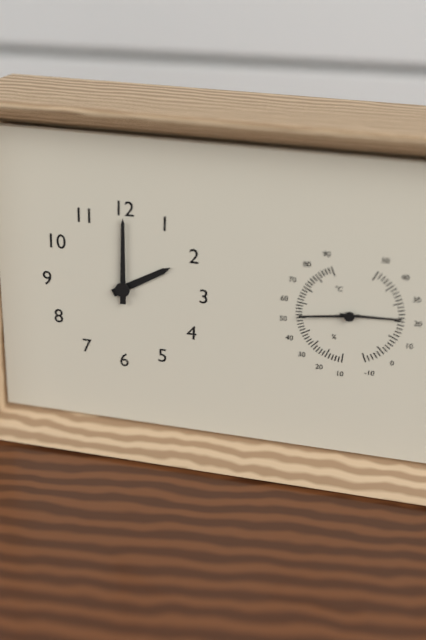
2:00
